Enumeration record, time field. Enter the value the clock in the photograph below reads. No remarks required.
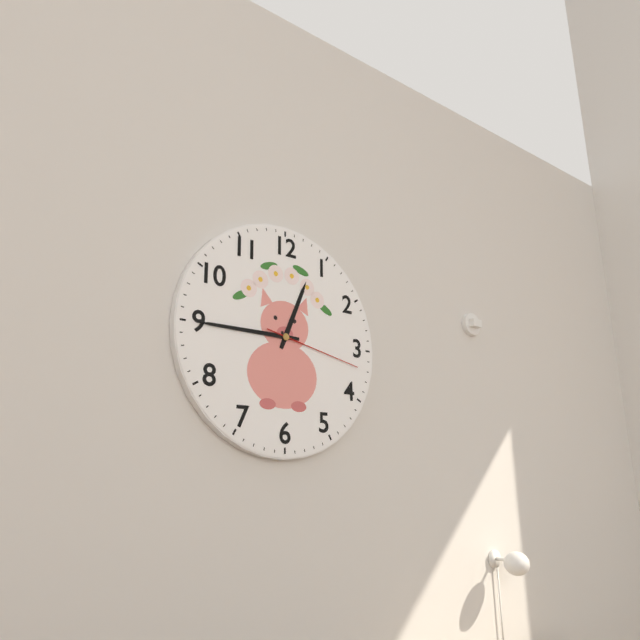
12:45:17
